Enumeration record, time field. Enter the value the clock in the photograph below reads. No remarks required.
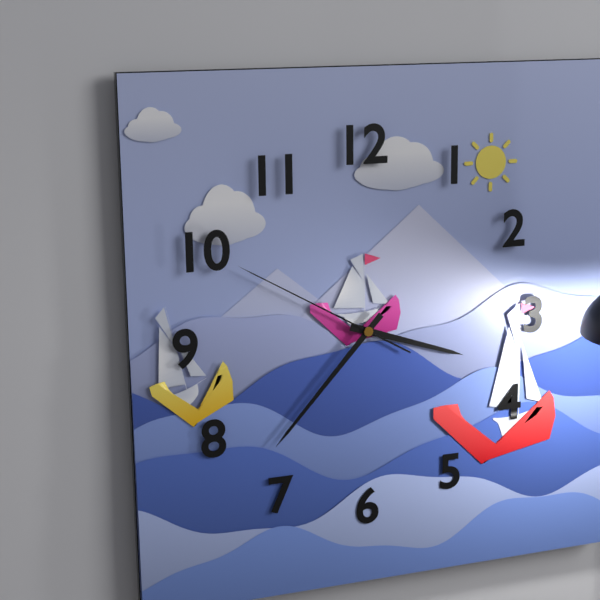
3:37:50
